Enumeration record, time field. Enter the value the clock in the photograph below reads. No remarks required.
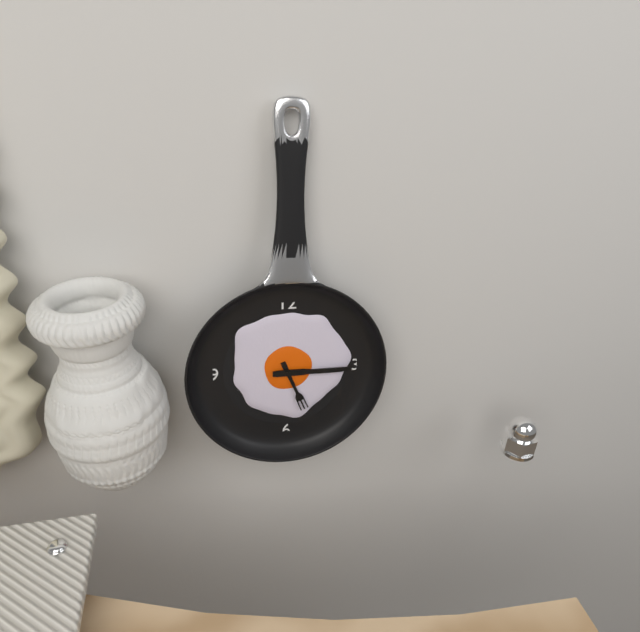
5:15
